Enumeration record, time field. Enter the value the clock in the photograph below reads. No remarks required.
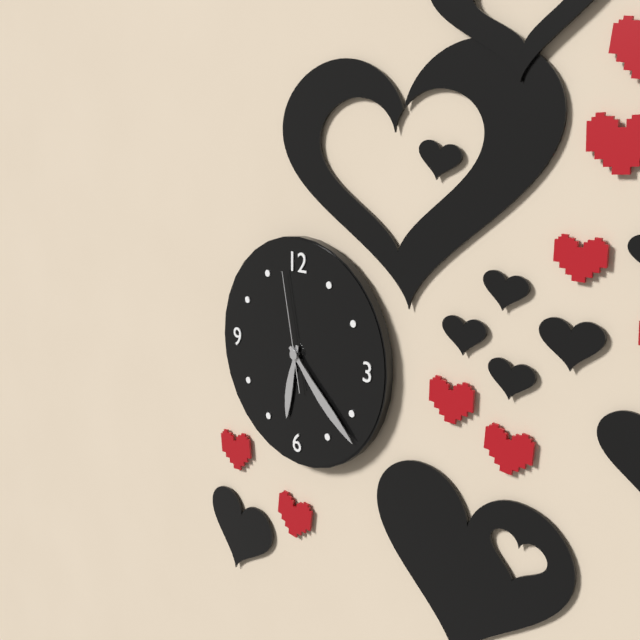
6:22:58
